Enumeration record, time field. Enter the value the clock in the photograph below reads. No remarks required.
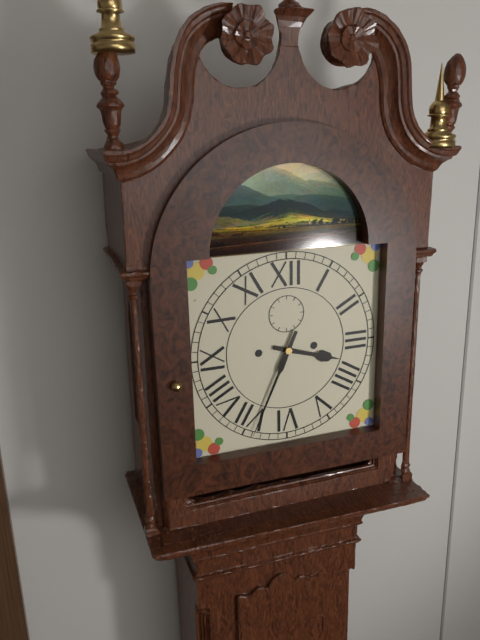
3:34
